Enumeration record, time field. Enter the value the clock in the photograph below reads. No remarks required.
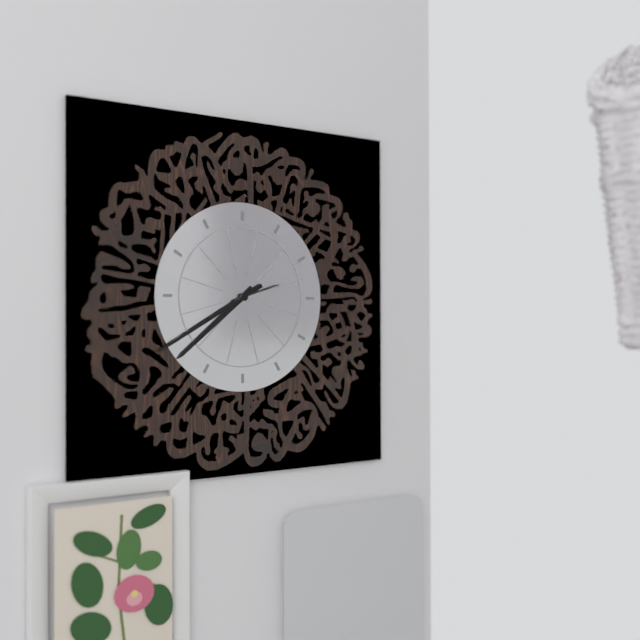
7:40
